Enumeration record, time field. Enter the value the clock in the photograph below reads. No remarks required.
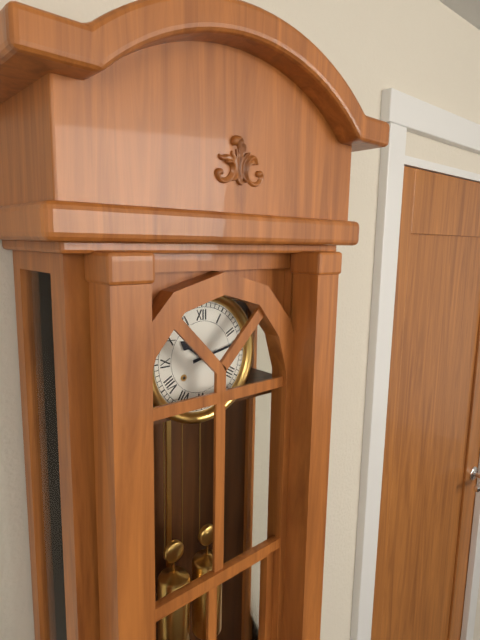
10:13
